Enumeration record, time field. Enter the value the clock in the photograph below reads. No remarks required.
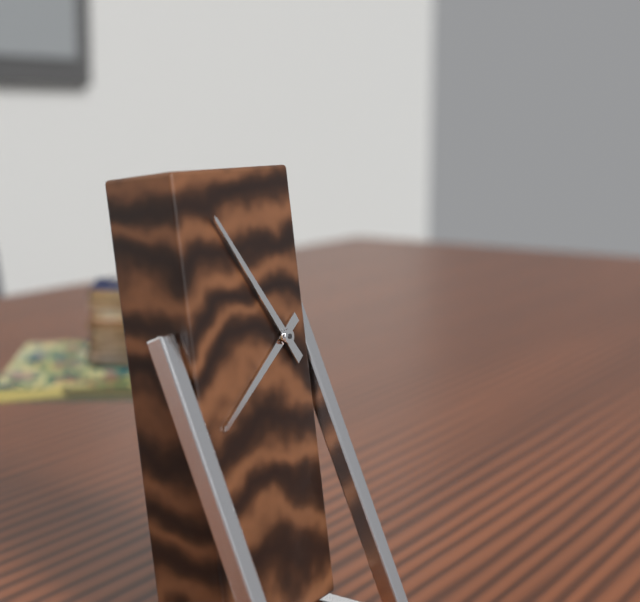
7:54
